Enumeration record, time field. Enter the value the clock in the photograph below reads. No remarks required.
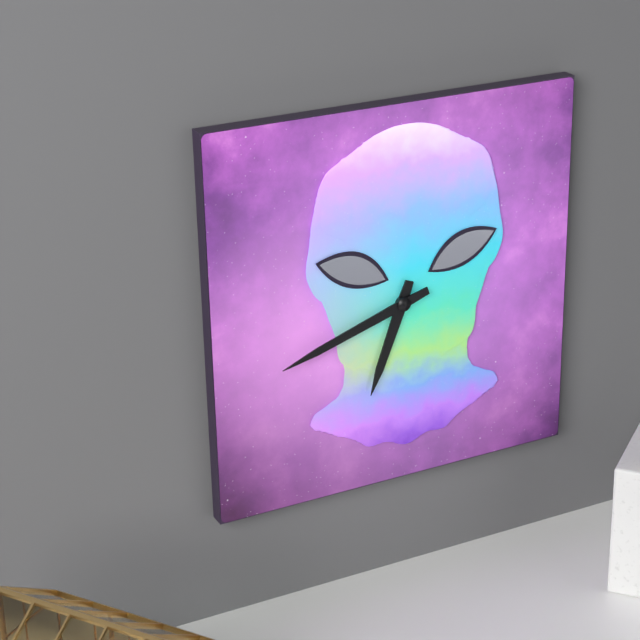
6:42
